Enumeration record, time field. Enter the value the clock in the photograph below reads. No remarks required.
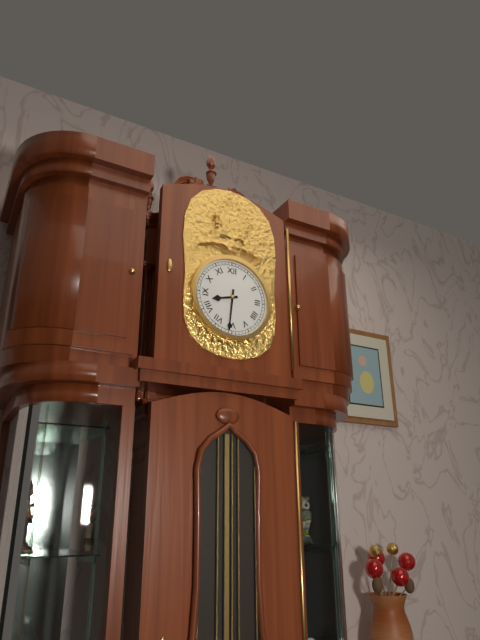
8:31
